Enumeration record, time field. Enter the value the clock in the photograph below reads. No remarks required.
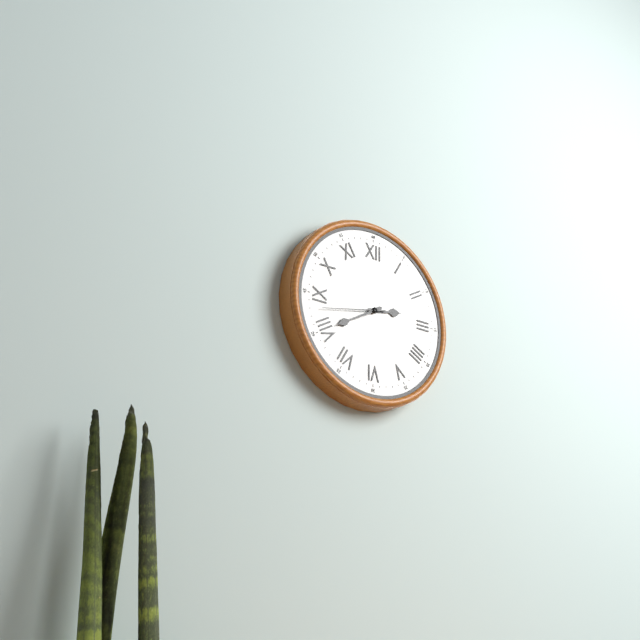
2:40:43
